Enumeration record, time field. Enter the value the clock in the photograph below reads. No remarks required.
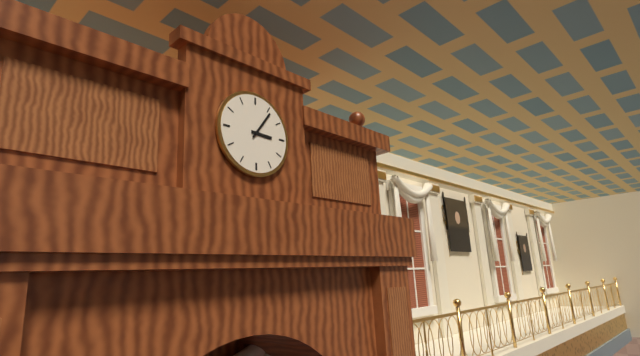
3:06
